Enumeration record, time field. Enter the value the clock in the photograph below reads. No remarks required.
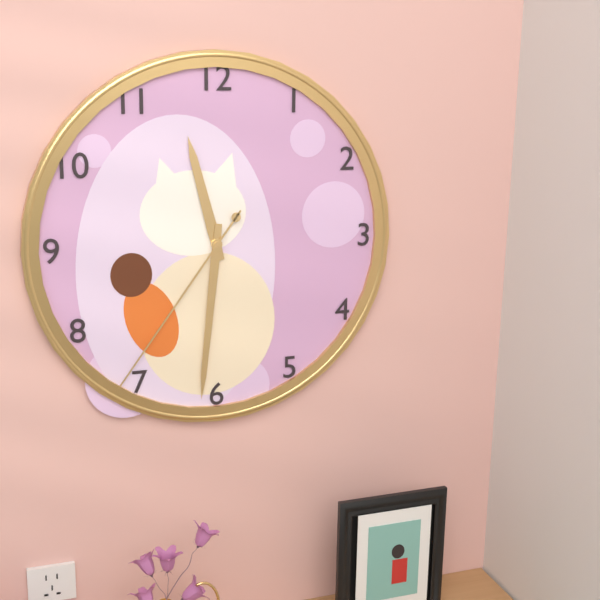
11:31:36
